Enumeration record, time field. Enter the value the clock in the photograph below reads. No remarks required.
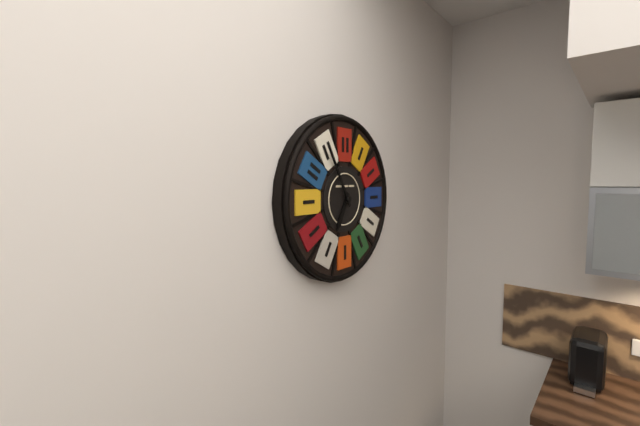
6:55
